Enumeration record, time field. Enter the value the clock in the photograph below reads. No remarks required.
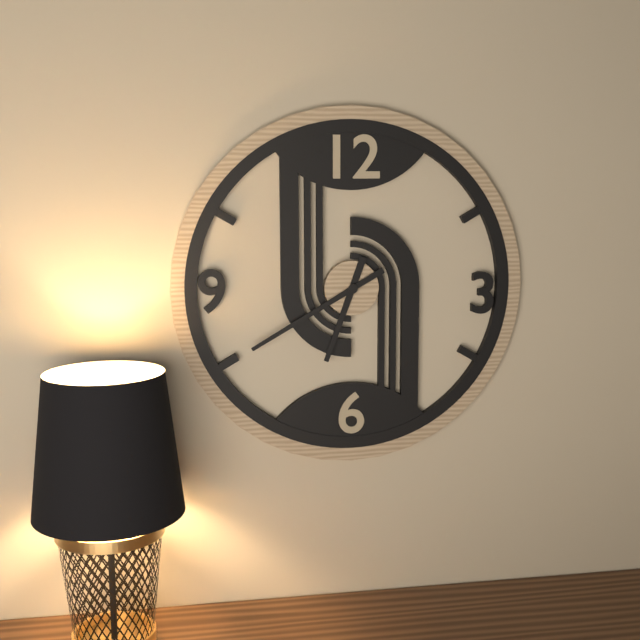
6:40
